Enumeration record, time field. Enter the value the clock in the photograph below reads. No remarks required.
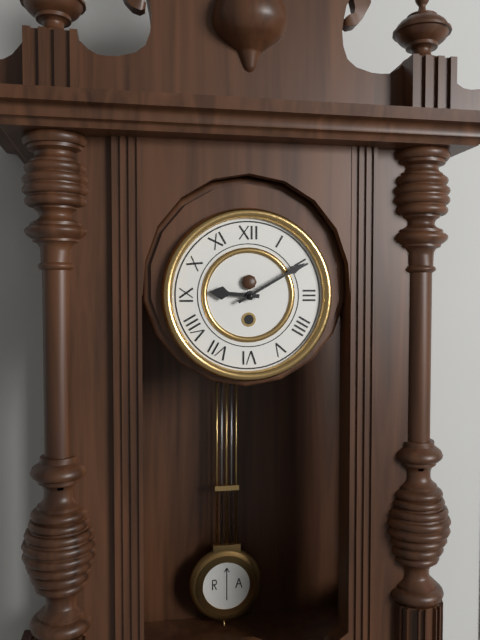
9:10
